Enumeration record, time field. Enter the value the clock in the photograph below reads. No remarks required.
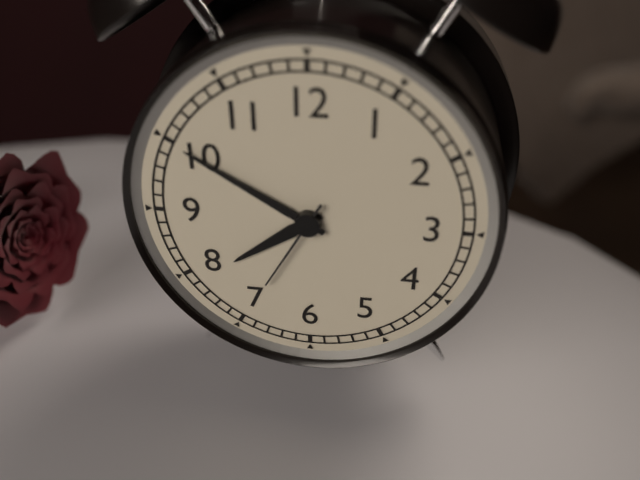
7:50:35
